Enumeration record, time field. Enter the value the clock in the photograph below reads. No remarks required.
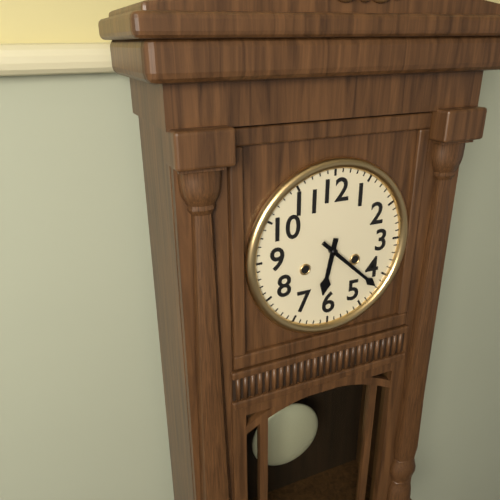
6:22
